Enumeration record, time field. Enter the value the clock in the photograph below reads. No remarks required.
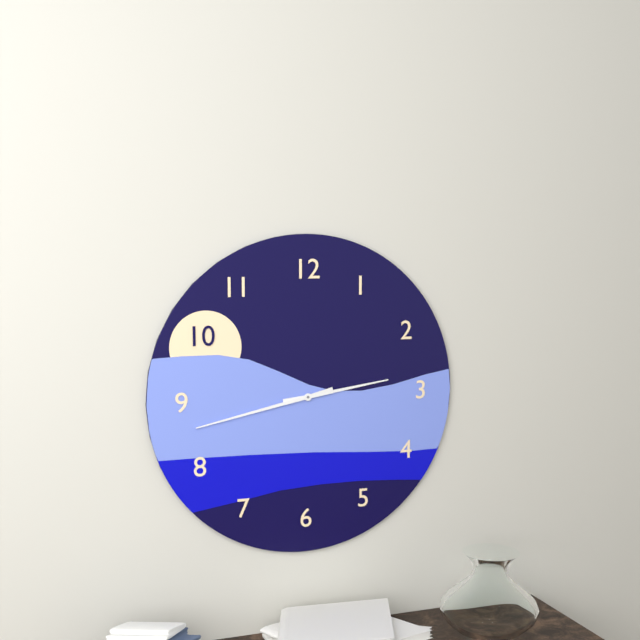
2:43
